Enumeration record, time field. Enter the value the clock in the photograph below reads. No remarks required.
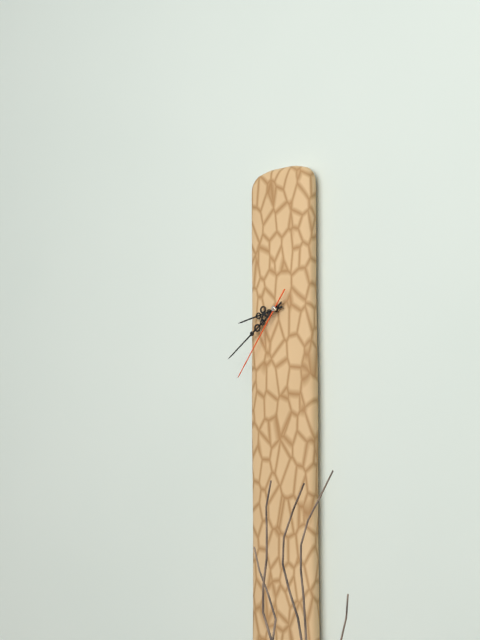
8:39:36
